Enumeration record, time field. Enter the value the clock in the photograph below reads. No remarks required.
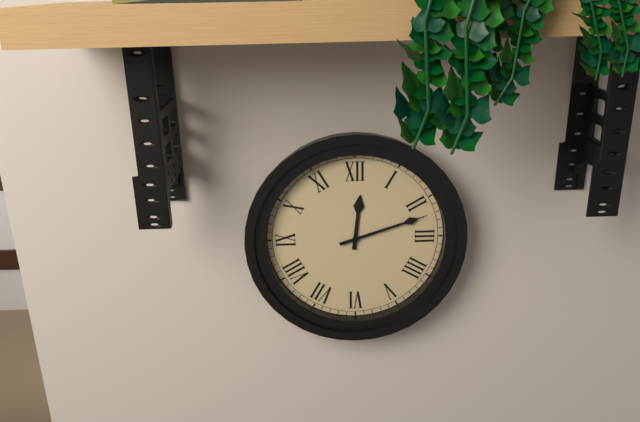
12:12
